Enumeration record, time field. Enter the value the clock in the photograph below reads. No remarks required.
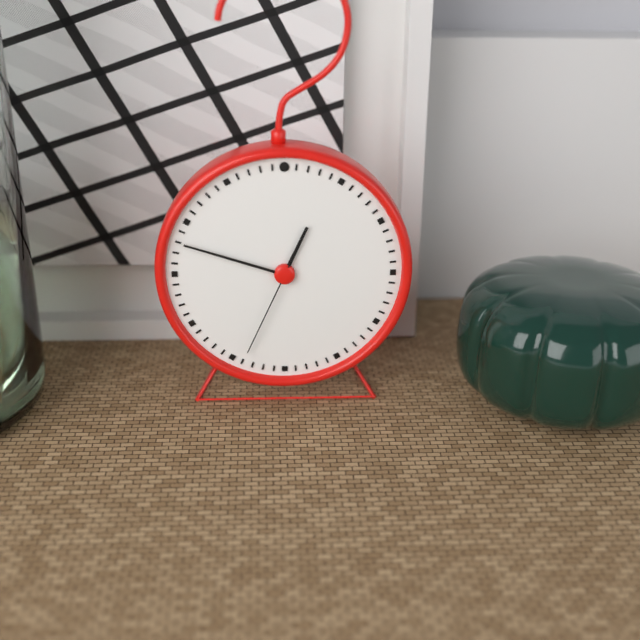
12:48:34
